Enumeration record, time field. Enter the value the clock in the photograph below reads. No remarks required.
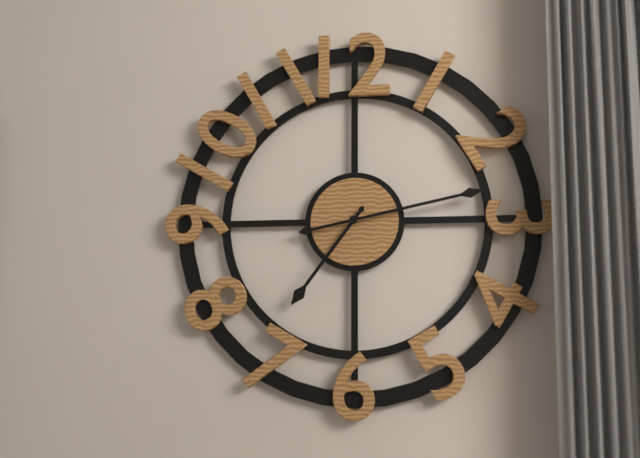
7:13
